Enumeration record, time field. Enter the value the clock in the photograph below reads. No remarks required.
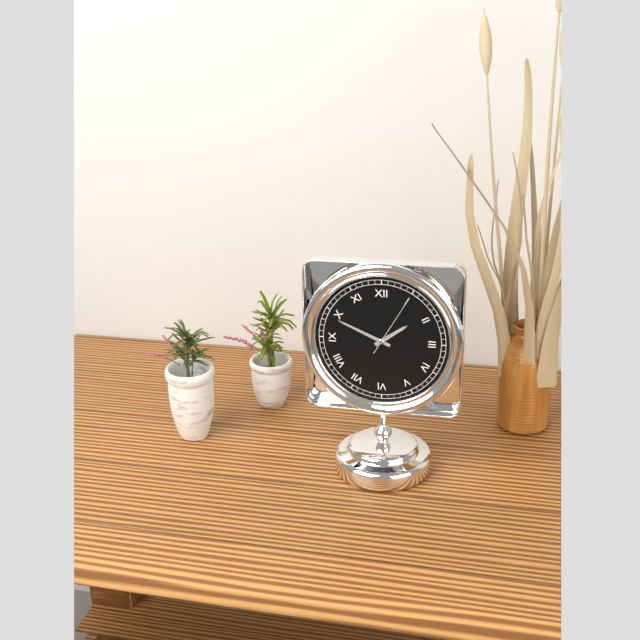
1:49:05
